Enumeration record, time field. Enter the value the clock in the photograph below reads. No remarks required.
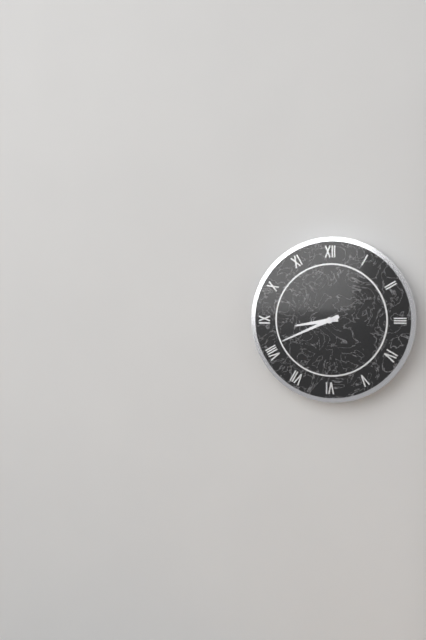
8:41
